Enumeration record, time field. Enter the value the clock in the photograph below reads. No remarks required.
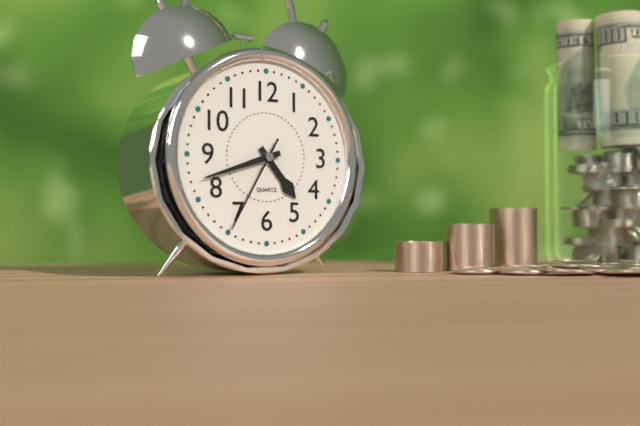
4:42:35
